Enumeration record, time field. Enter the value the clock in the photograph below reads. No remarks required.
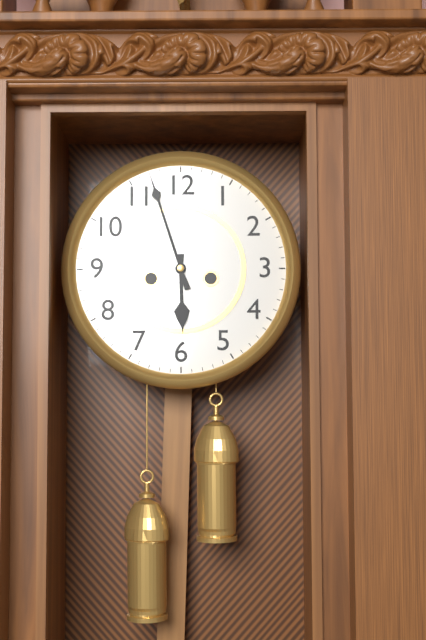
5:57
